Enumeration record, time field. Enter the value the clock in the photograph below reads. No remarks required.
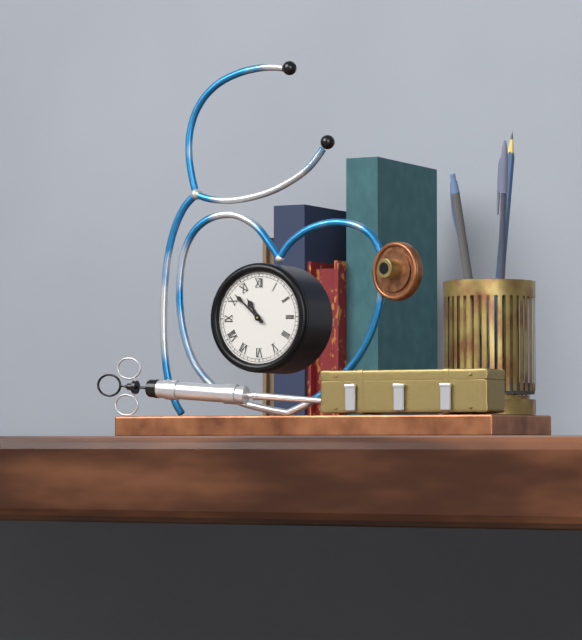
10:52
